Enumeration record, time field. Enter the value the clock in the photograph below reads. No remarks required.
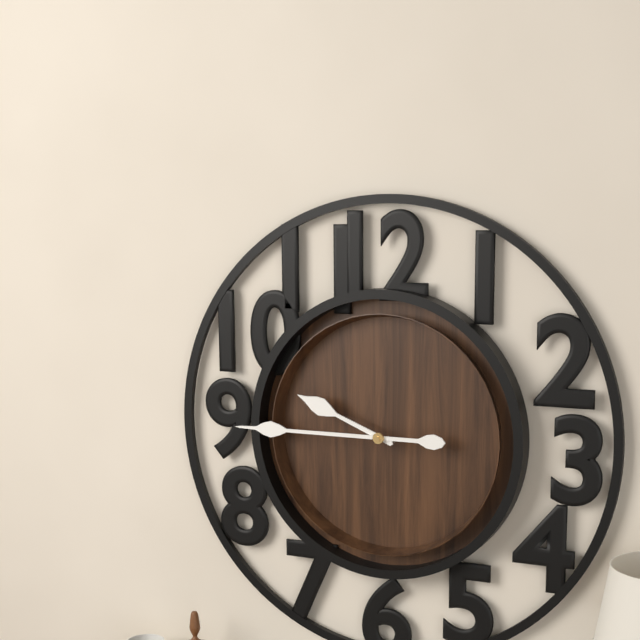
9:45
